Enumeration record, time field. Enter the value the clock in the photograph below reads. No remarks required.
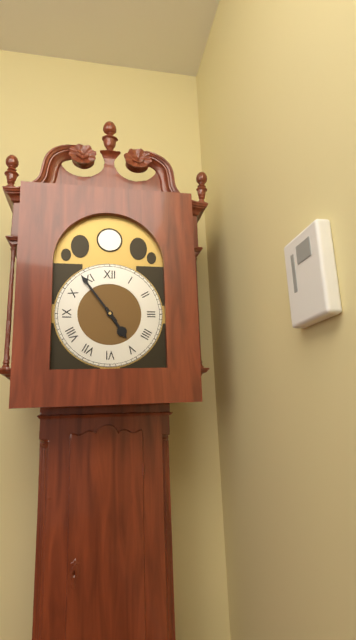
4:54
